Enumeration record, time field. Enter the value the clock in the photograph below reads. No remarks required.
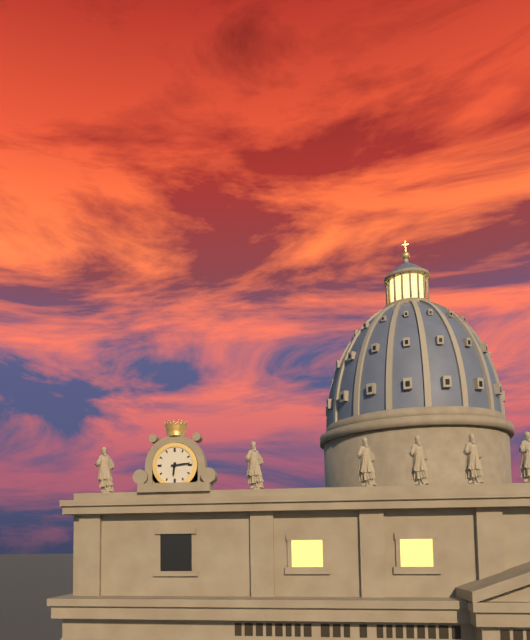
6:14
